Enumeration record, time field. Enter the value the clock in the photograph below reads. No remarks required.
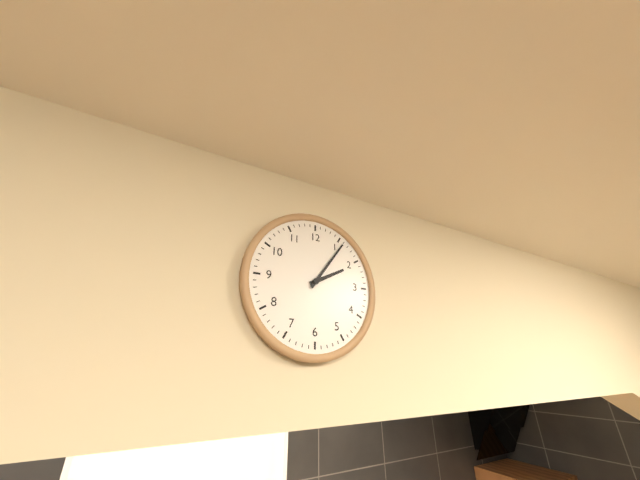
2:06
